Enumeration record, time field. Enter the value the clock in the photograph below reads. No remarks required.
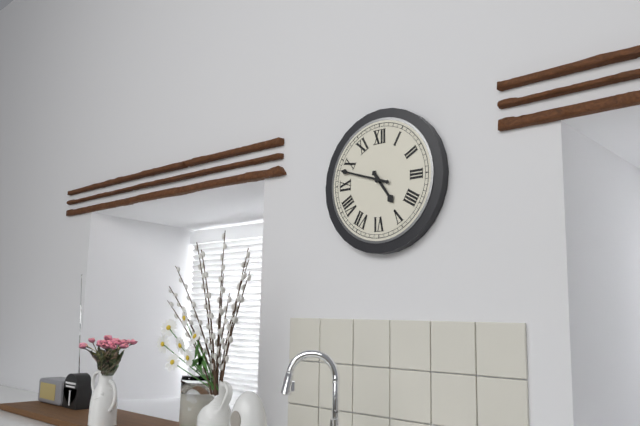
4:48
